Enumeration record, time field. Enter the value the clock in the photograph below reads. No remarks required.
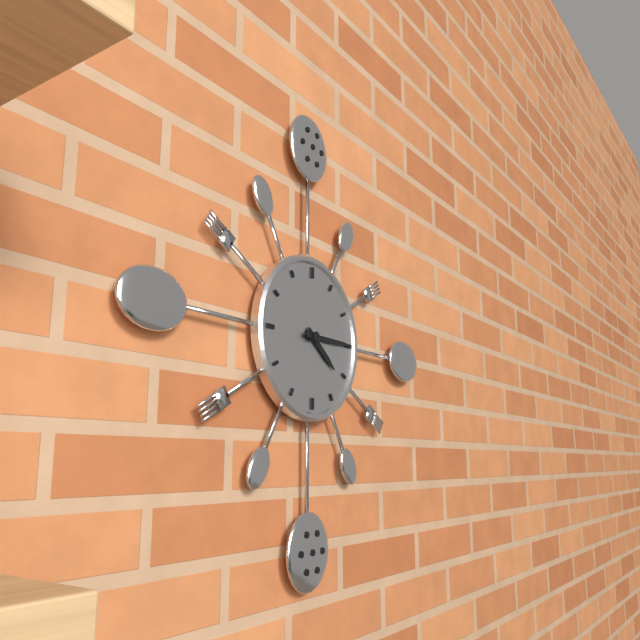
4:15
